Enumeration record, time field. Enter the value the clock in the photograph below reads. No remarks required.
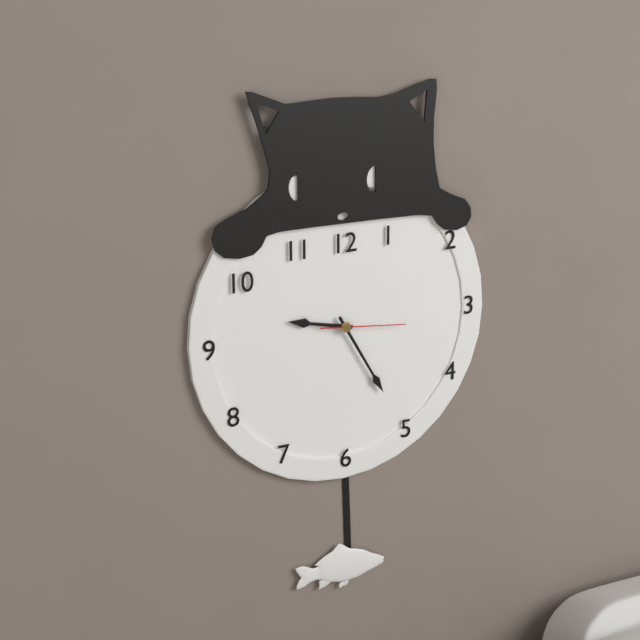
9:25:16
